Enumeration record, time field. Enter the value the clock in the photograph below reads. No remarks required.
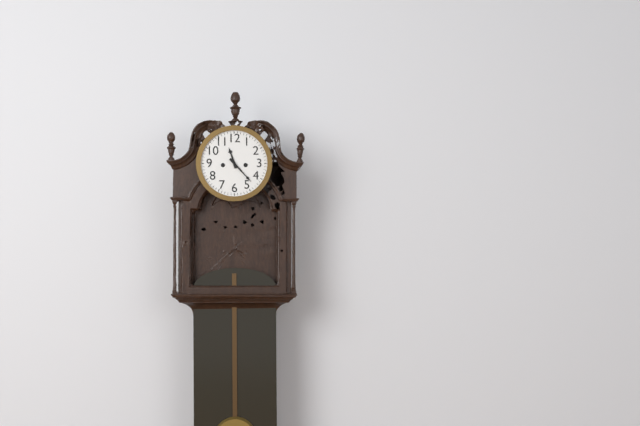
11:23
